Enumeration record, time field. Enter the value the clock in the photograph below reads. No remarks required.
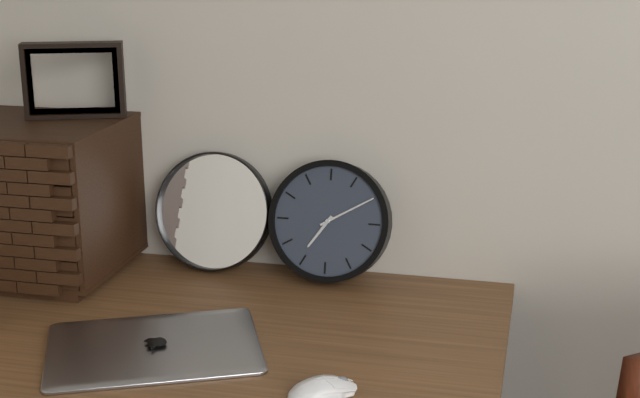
7:10
